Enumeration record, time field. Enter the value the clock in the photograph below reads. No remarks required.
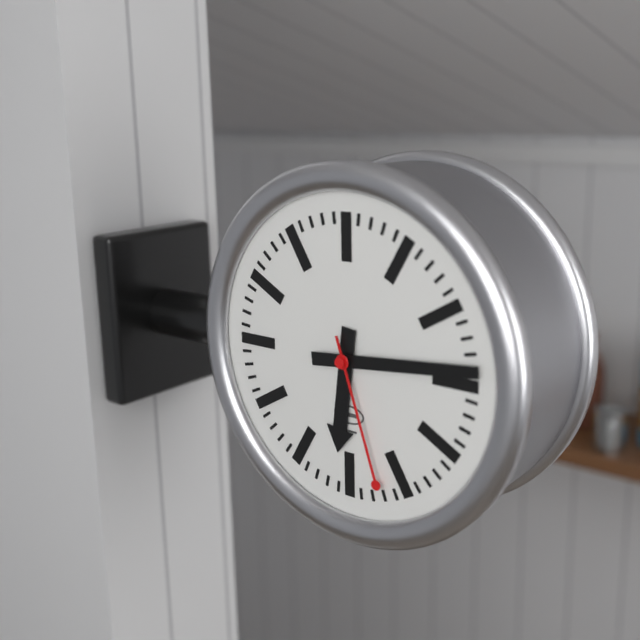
6:14:27
